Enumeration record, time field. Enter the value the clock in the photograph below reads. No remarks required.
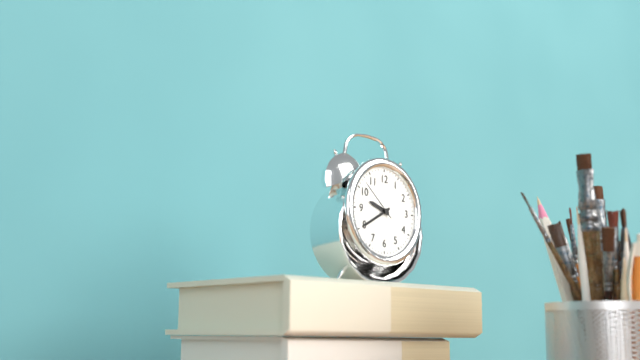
9:40
